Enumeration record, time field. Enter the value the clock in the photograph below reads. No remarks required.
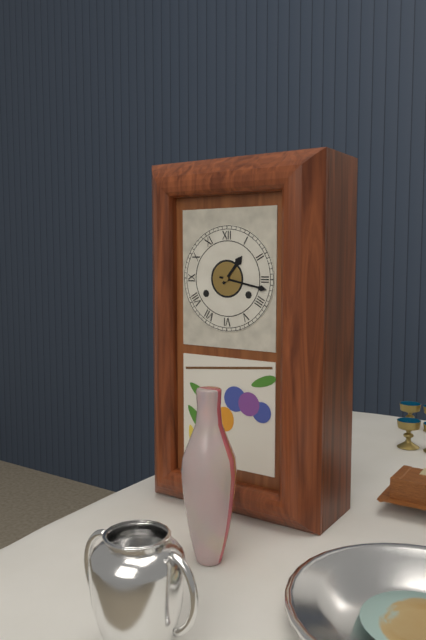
1:17
